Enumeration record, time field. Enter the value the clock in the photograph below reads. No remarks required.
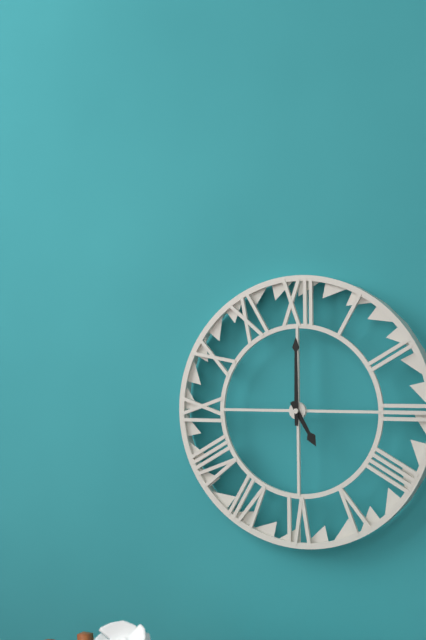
5:00
